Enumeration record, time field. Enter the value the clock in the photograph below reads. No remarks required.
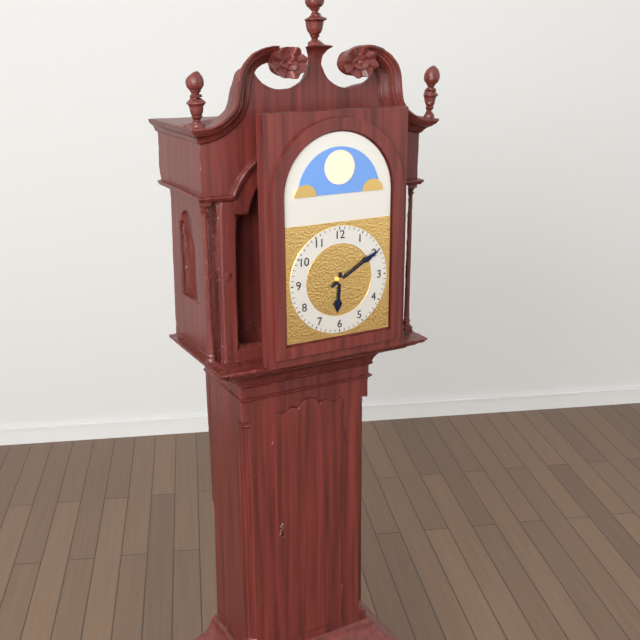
6:10
